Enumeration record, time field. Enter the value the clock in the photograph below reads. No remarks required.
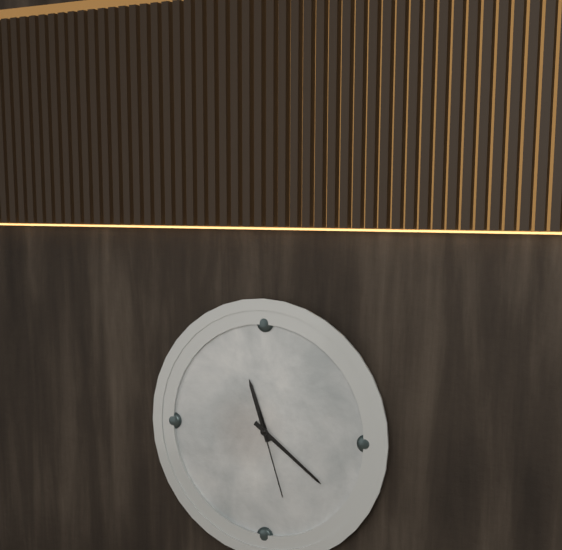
11:21:27
